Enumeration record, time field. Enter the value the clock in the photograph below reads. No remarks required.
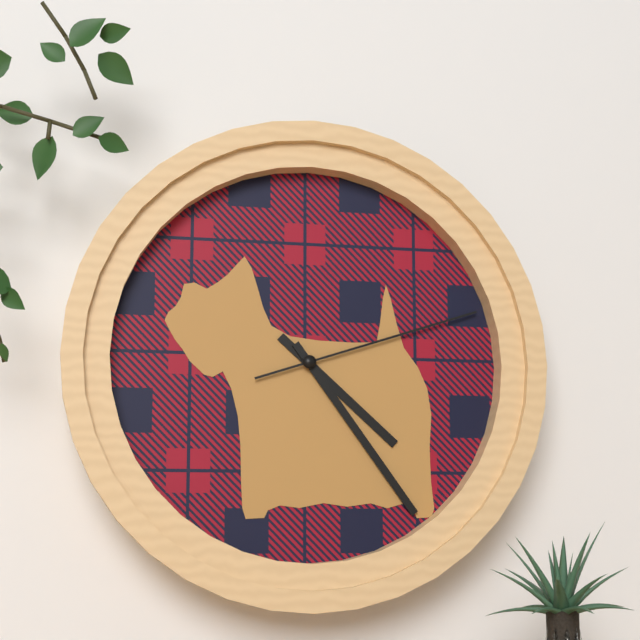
4:24:12
